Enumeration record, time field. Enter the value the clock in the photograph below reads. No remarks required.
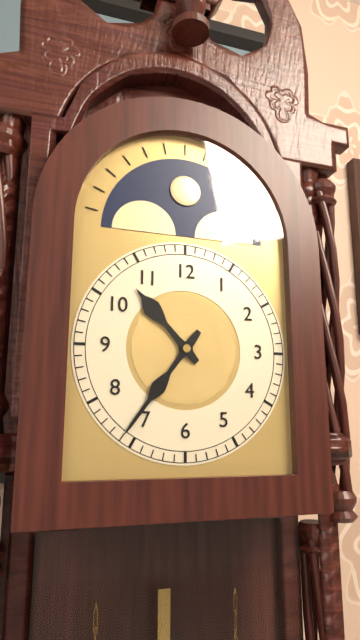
10:36
